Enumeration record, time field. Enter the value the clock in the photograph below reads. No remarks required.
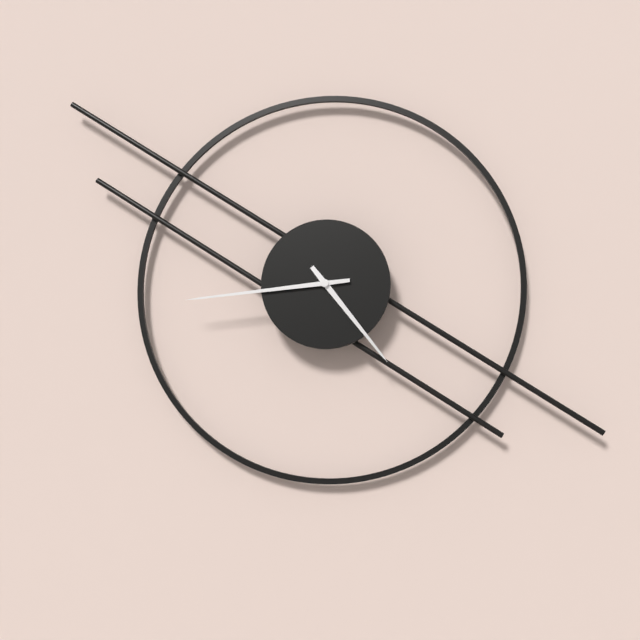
4:44
